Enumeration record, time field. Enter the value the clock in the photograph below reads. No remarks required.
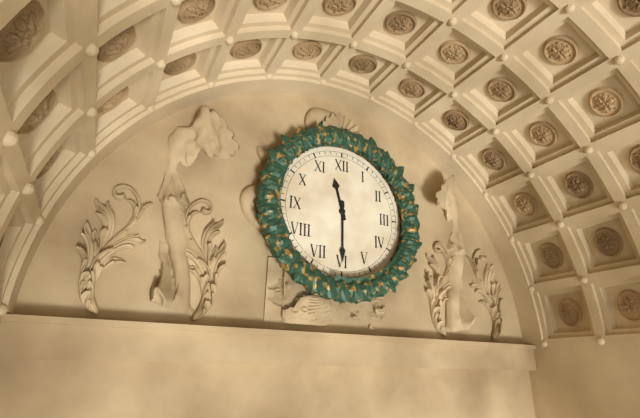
11:30
